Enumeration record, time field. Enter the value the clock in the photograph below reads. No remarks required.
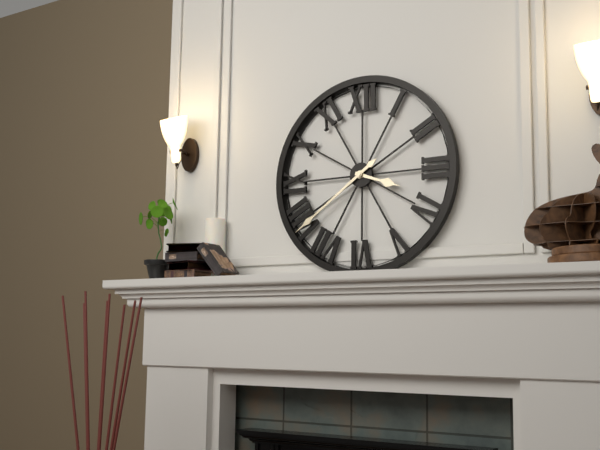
3:39
